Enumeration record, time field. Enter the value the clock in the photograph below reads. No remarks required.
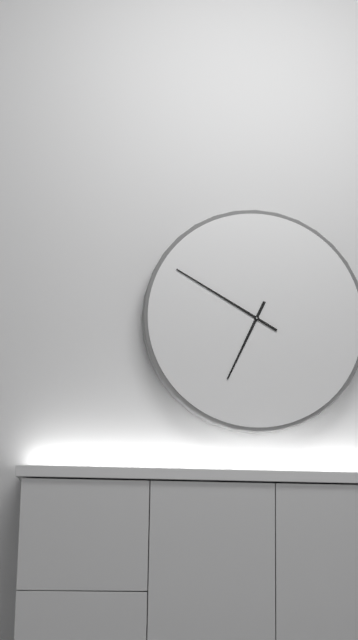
6:50
